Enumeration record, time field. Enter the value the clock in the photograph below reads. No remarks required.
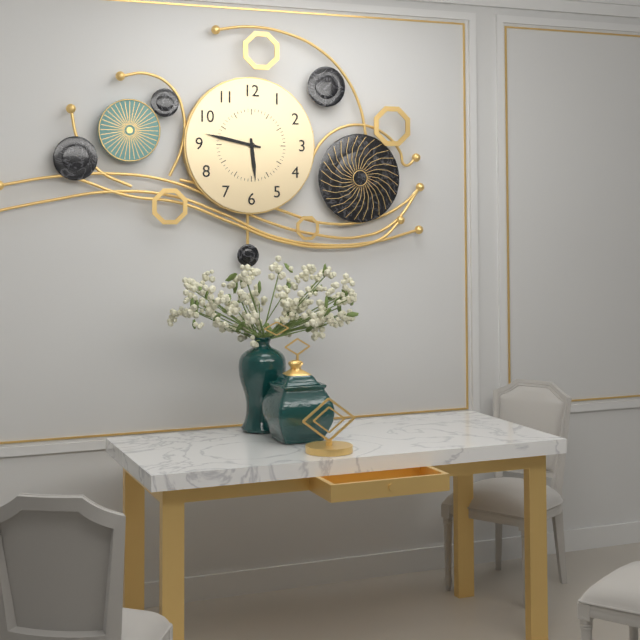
5:47
